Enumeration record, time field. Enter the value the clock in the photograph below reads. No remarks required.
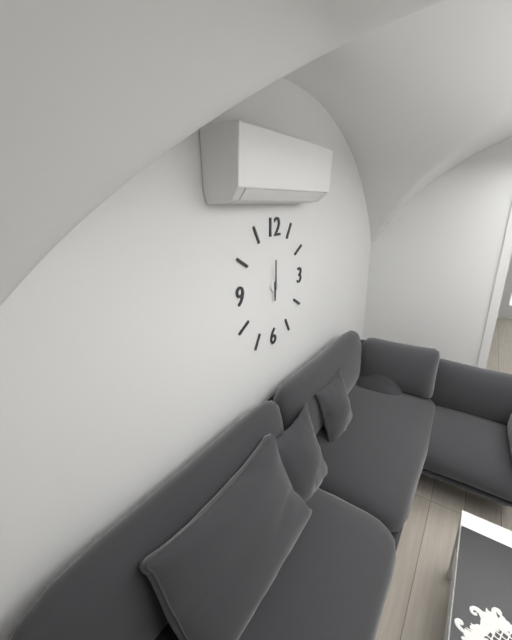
6:00
